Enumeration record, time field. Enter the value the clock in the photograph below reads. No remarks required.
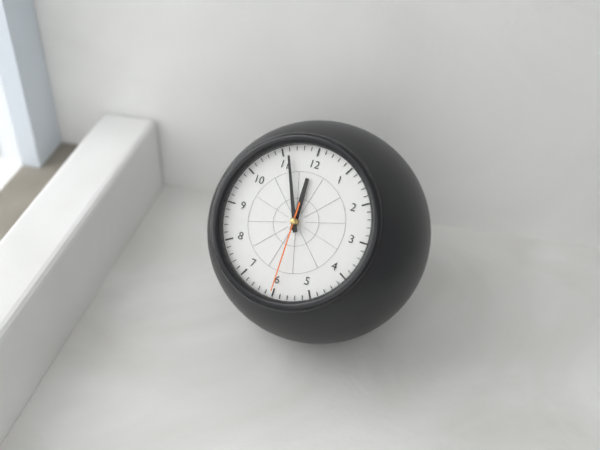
11:56:30
